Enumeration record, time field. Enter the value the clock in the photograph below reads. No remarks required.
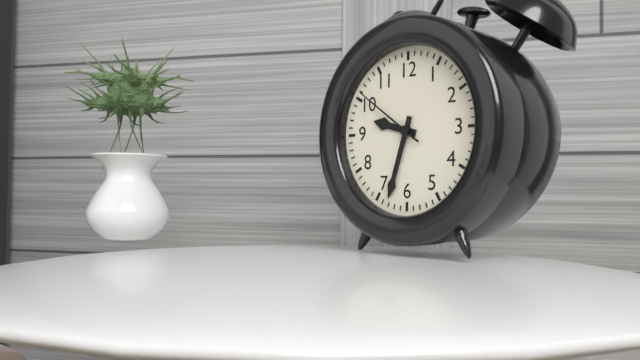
9:33:51
